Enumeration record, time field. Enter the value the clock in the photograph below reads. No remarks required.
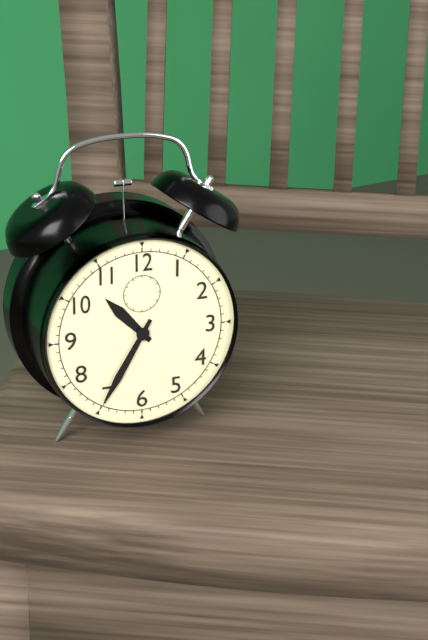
10:35
